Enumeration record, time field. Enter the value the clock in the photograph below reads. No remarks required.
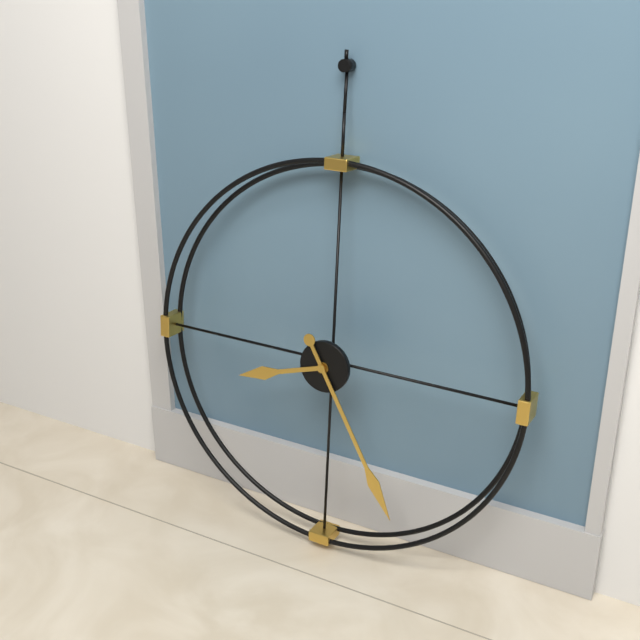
8:25
